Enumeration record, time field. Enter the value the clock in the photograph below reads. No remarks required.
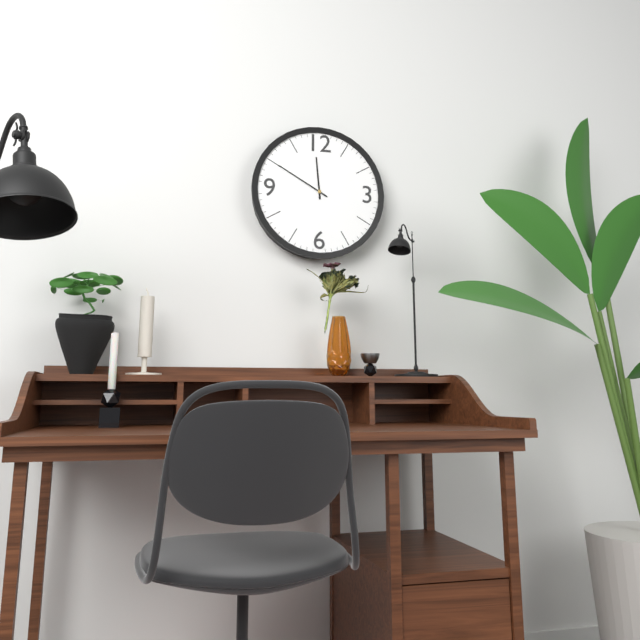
11:50
